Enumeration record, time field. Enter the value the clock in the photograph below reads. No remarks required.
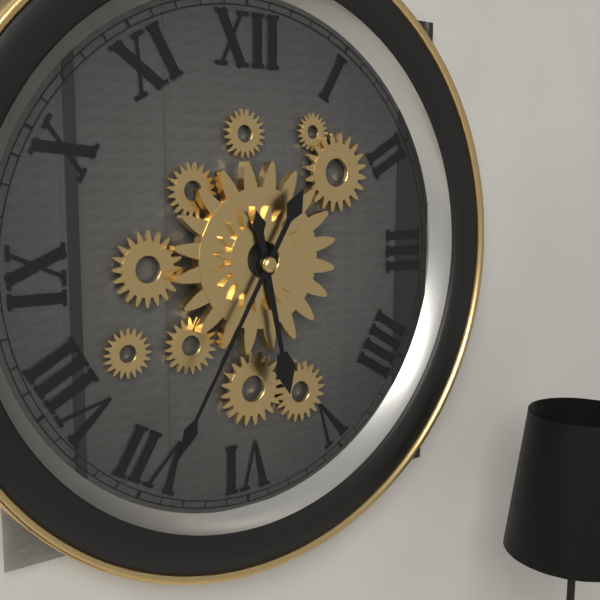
5:35
